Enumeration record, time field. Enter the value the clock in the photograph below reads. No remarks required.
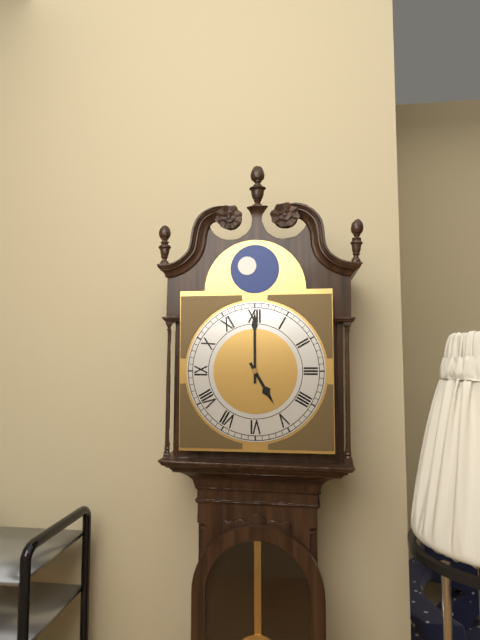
5:00
